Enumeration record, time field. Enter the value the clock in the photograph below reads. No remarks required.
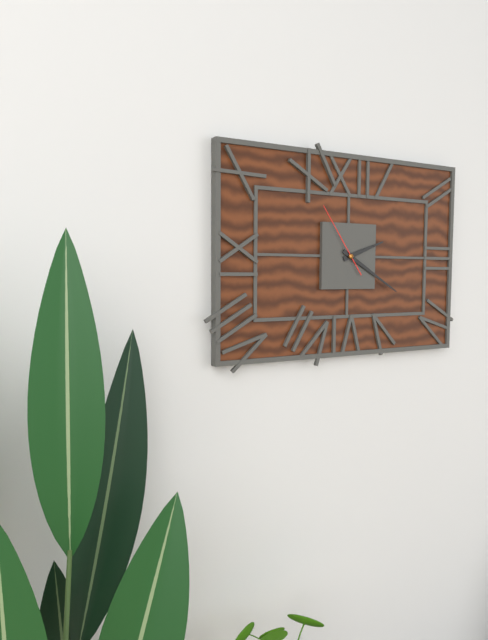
2:20:54
